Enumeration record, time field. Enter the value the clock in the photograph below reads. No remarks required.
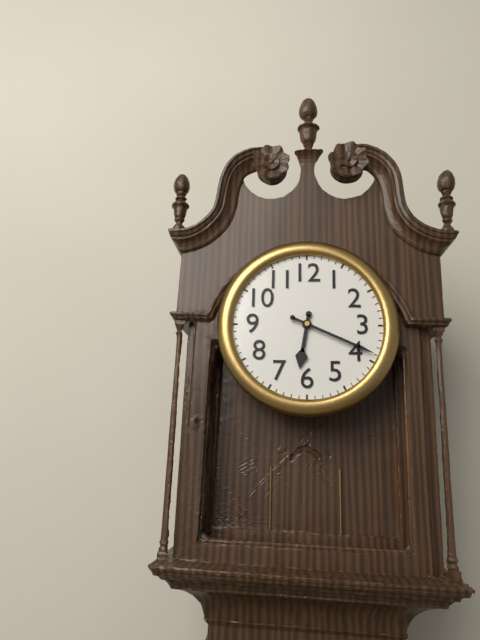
6:19
